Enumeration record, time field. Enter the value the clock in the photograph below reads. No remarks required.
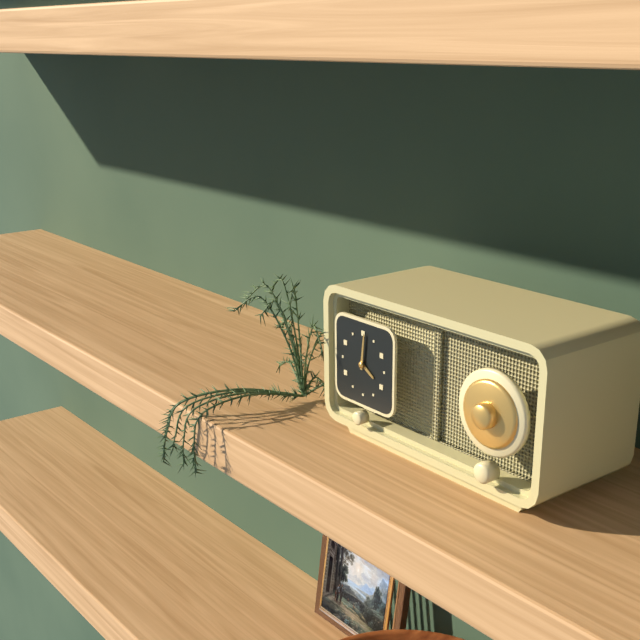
4:01
